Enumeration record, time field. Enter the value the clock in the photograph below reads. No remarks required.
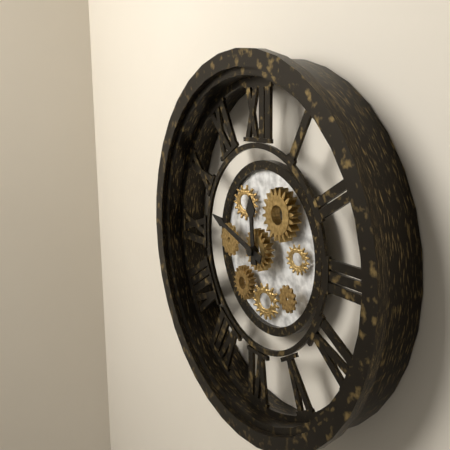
11:48
